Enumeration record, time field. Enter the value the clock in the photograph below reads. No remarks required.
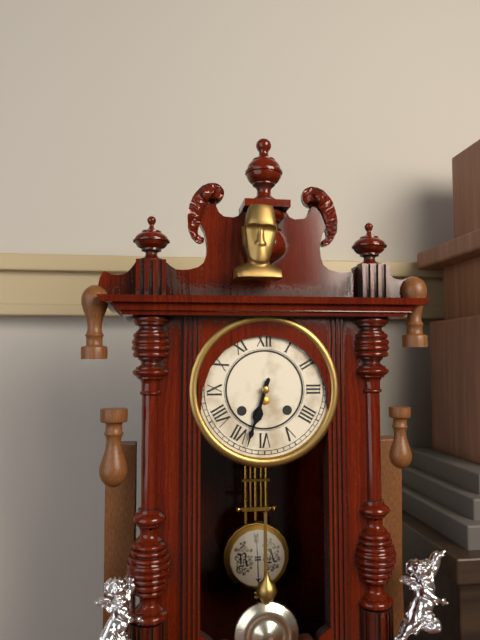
6:33
